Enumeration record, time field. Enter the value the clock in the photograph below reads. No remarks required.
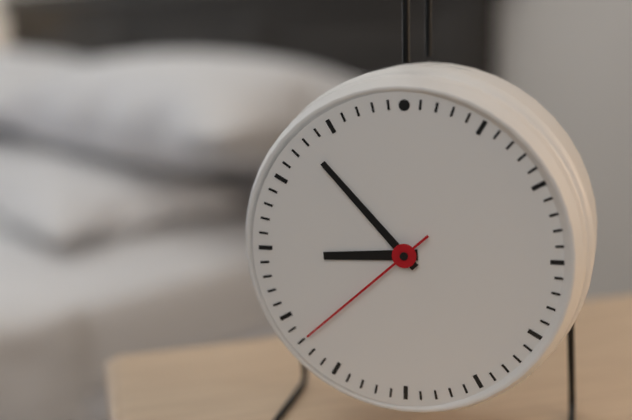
8:53:38
